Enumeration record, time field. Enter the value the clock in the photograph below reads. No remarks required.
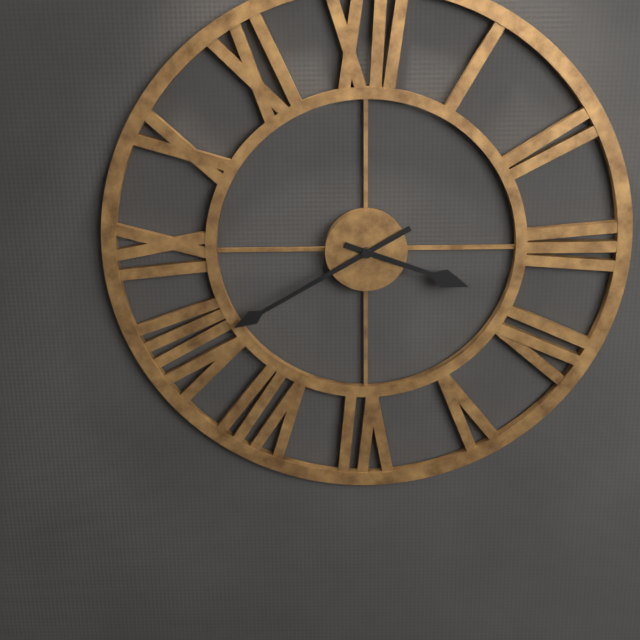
3:40
